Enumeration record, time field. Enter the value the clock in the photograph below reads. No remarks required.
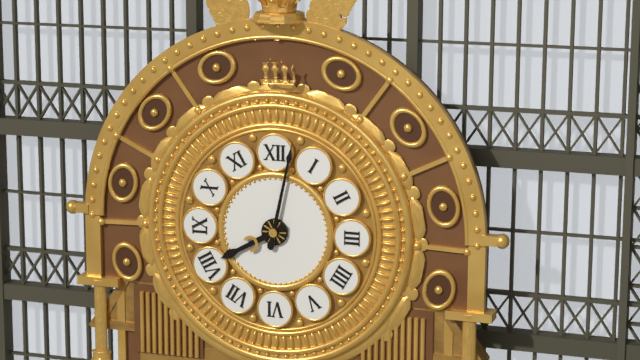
8:02
